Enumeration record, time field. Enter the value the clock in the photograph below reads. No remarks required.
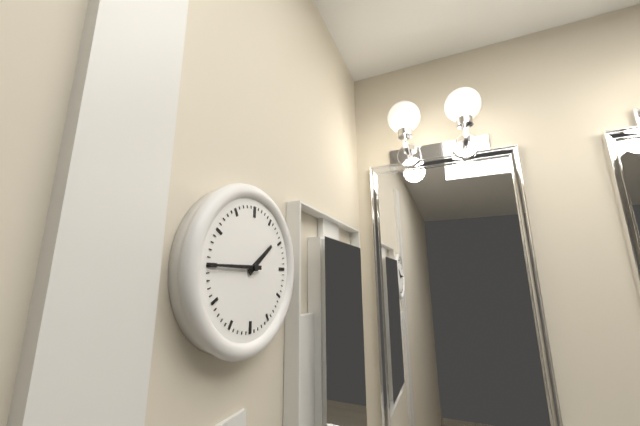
1:45
